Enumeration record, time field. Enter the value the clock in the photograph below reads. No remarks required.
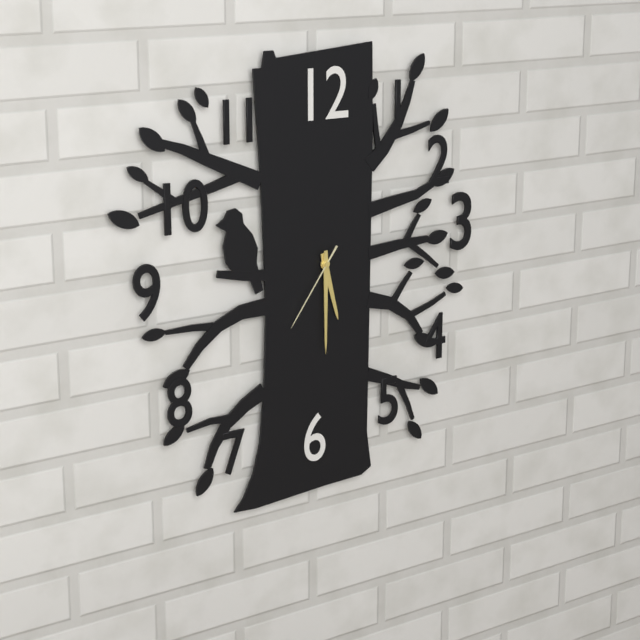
5:30:36
